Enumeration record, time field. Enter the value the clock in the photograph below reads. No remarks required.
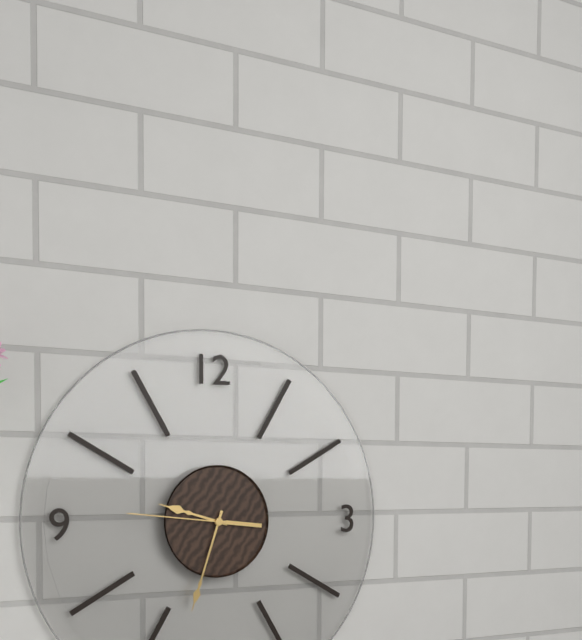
9:33:46
